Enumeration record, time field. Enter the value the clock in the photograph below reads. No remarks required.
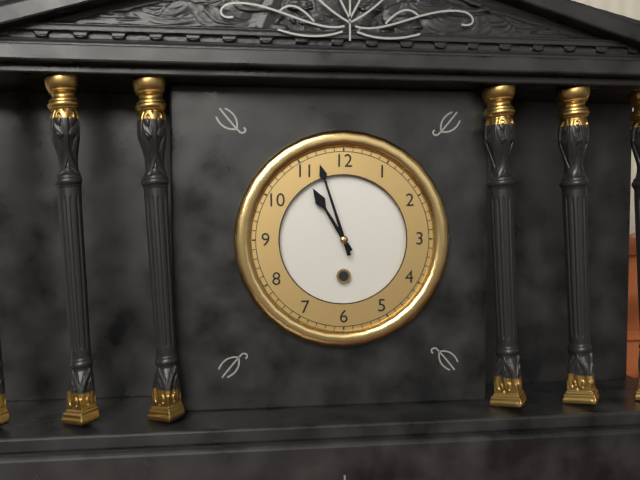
10:57
